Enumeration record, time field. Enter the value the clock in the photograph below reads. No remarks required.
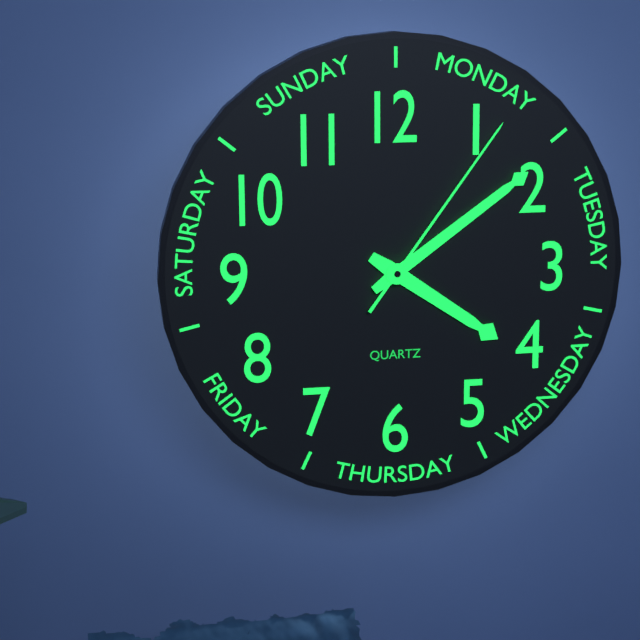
4:09:06
